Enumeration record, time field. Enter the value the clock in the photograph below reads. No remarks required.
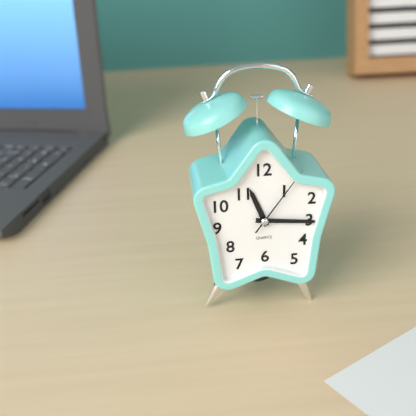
11:16:06
